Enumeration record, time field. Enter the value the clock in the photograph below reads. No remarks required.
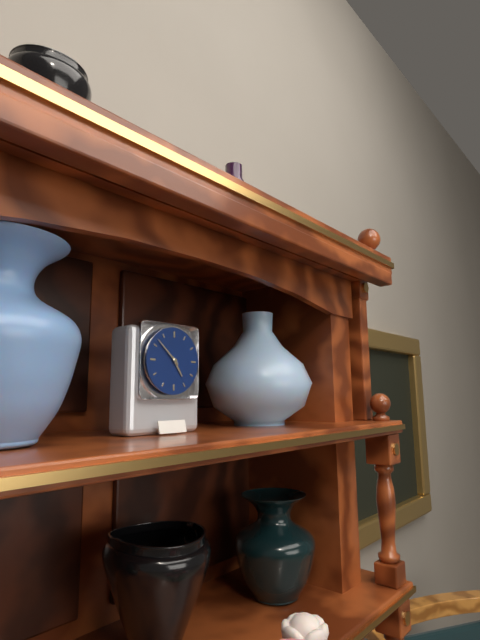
4:52
